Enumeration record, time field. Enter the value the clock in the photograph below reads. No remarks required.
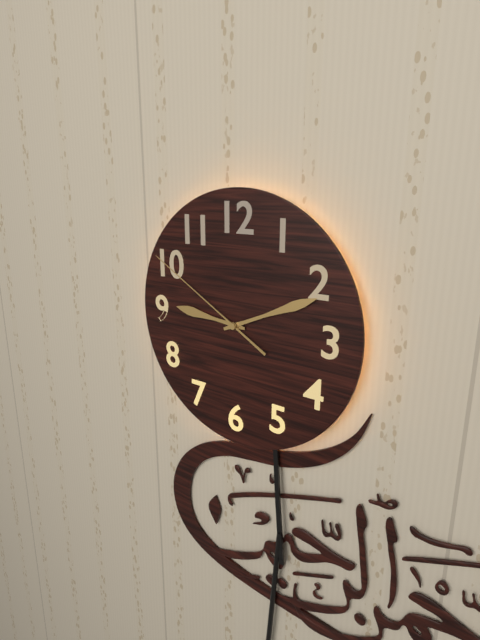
9:11:50
